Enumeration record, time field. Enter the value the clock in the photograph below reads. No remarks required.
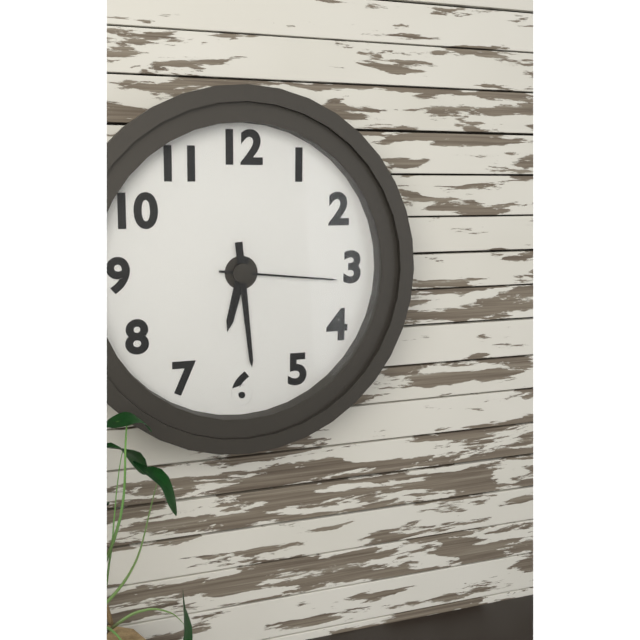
6:29:16
